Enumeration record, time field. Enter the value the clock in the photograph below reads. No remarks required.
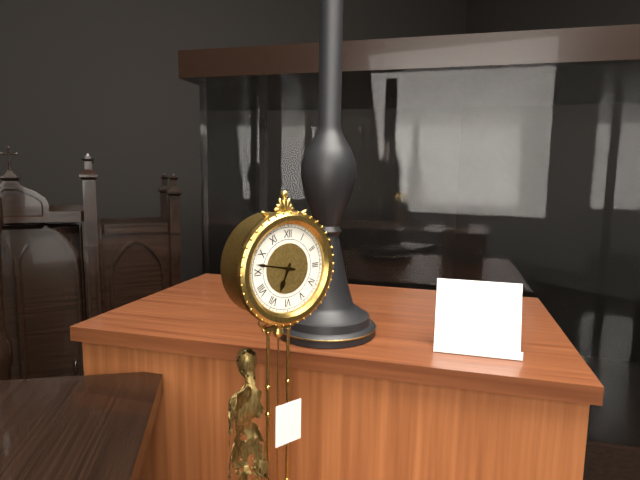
6:47
